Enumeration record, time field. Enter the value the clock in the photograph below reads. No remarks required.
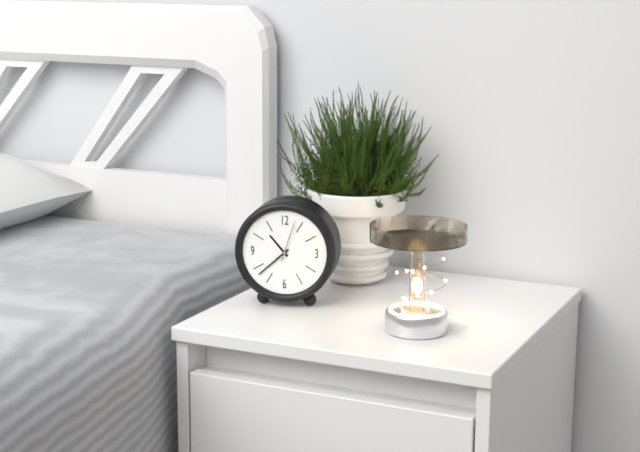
10:38
